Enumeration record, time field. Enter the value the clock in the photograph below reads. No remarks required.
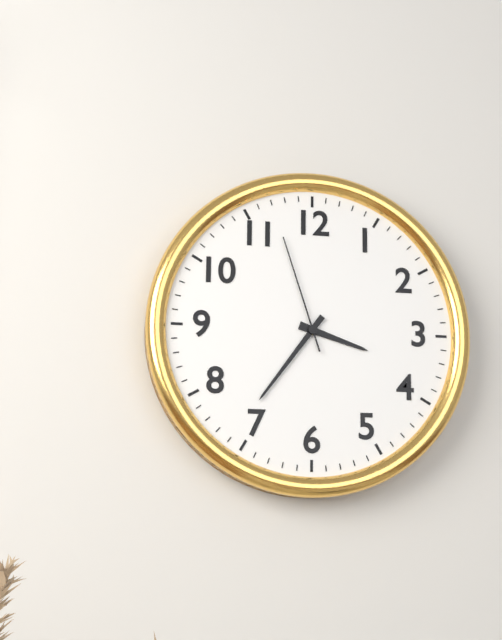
3:36:57
